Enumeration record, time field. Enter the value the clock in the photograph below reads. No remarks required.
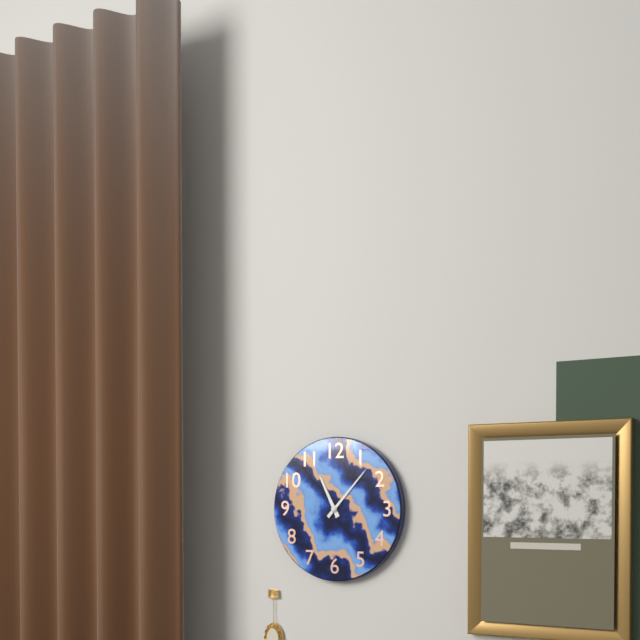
11:07
